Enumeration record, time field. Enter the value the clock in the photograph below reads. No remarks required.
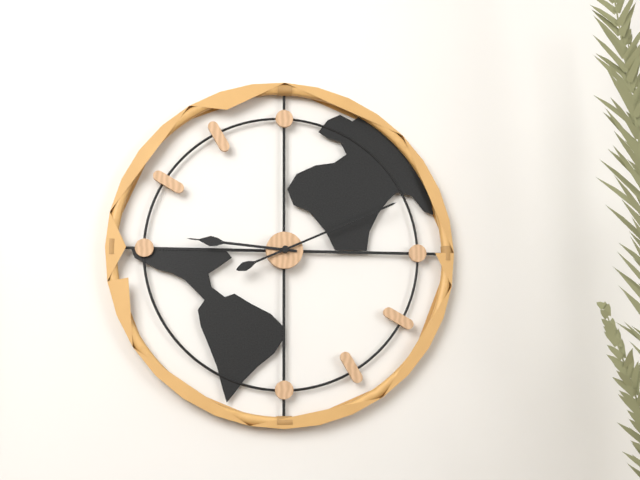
9:11
